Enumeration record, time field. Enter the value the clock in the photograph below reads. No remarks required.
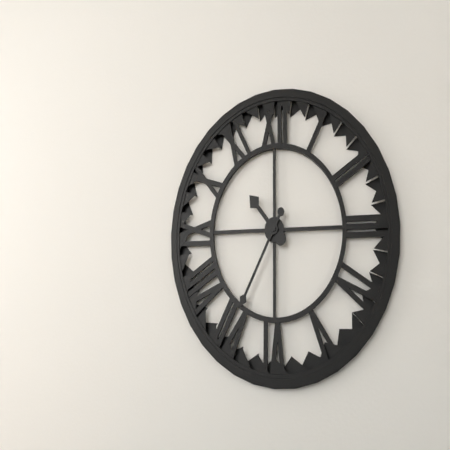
10:35
